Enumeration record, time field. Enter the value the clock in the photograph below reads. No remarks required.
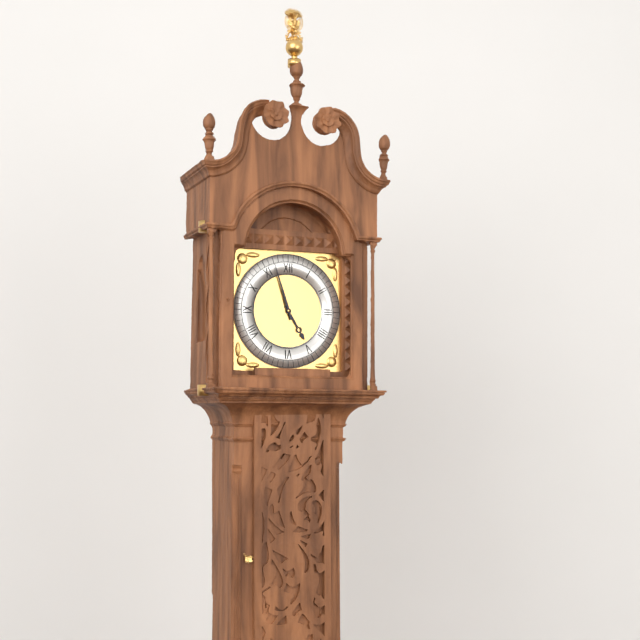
4:57
